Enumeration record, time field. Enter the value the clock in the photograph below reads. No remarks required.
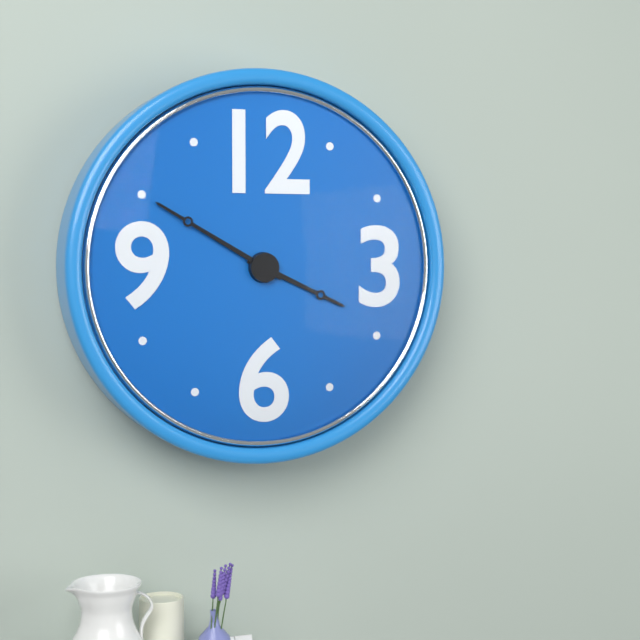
3:50
